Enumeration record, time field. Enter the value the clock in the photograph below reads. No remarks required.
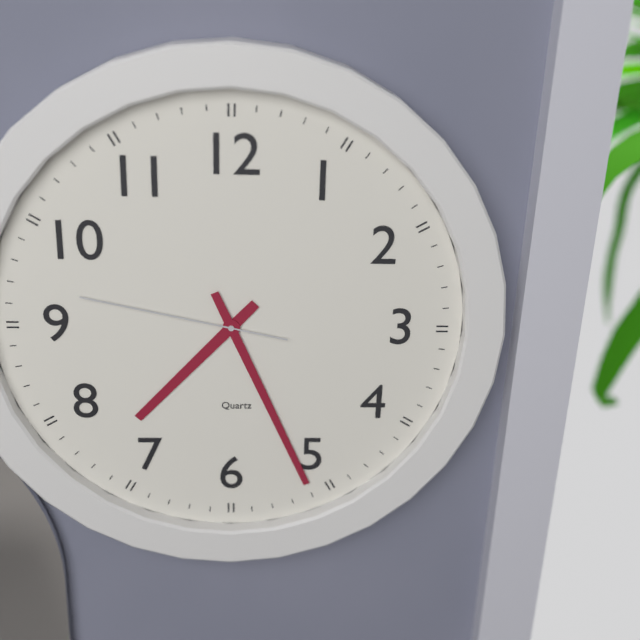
7:26:47
